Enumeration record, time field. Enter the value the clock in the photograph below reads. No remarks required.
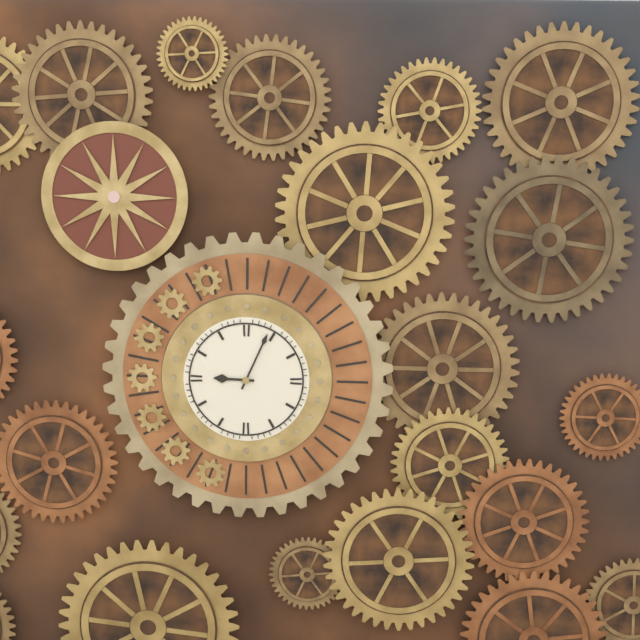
9:04
